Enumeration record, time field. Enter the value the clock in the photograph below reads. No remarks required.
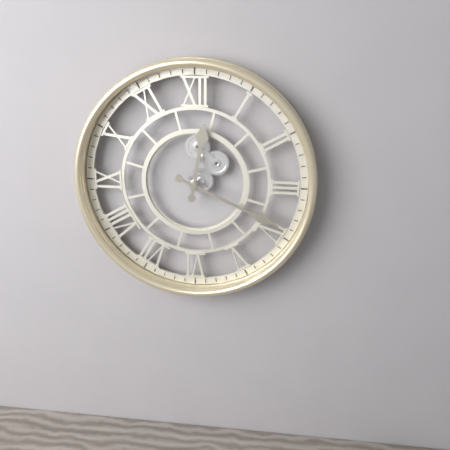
12:19
